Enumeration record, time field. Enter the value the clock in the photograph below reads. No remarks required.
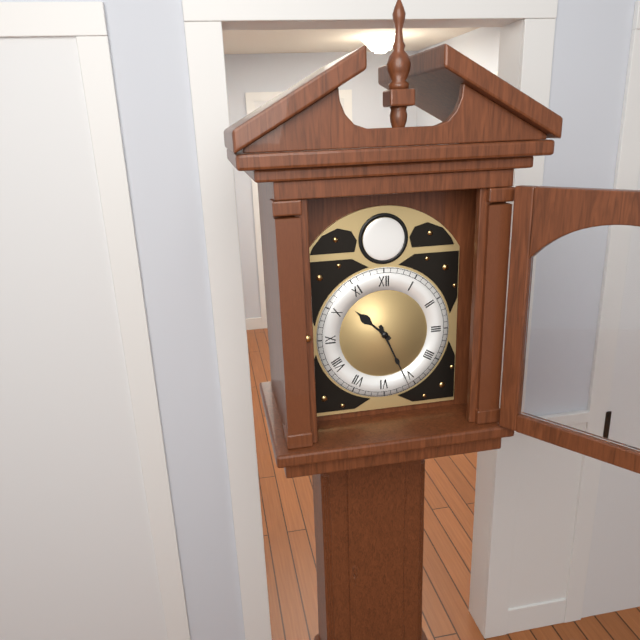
10:26
